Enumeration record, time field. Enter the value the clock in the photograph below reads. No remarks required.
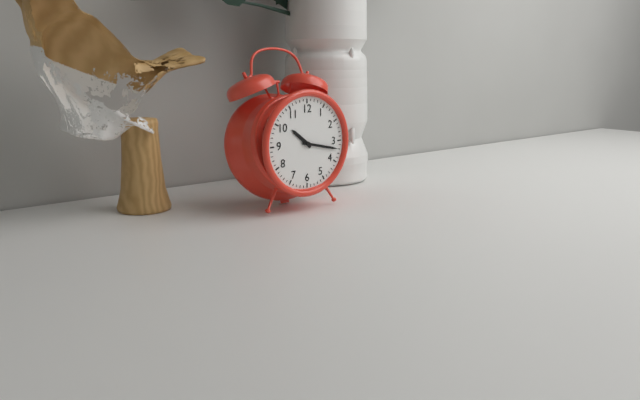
10:17
